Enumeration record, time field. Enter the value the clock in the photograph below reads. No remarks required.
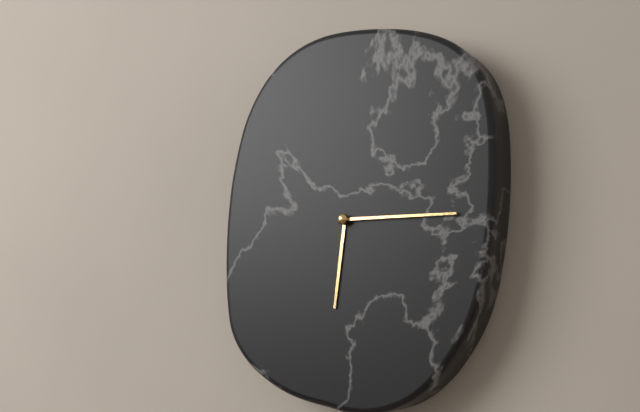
6:15
